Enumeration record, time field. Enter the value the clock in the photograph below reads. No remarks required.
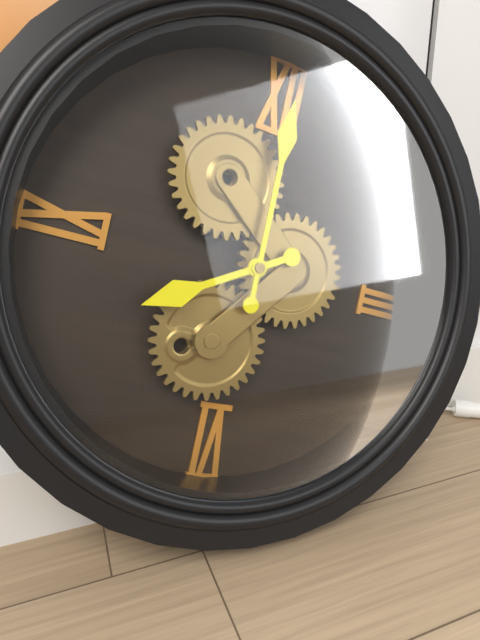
8:00
